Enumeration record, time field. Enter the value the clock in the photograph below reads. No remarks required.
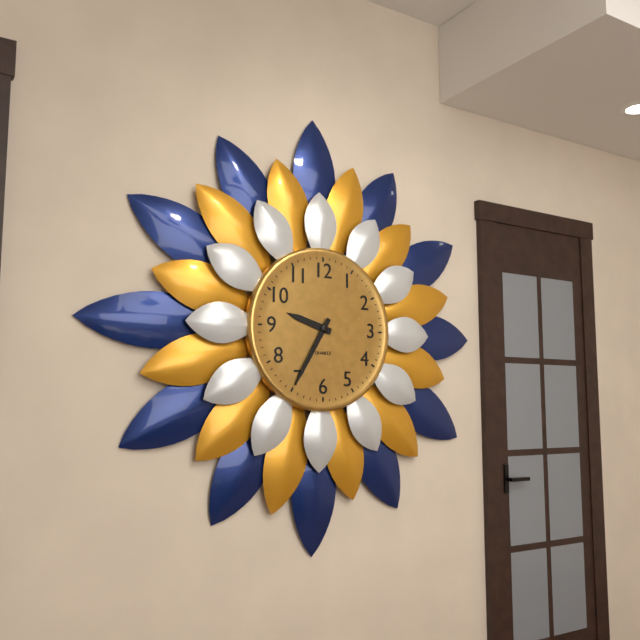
9:35
